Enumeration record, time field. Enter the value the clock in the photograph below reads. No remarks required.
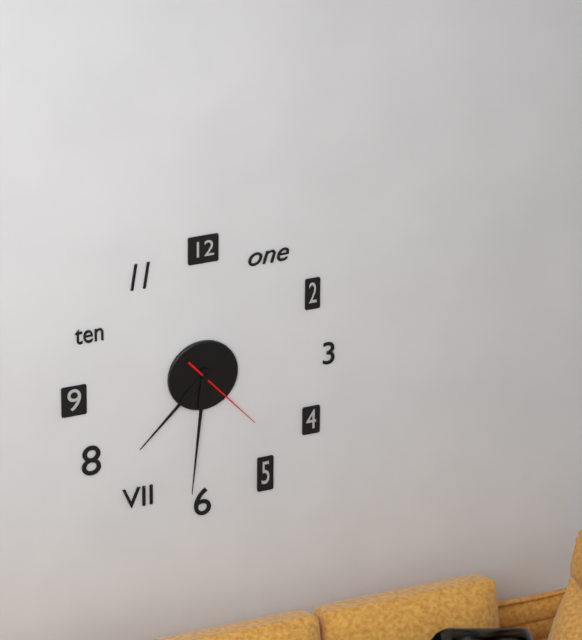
7:31:23
